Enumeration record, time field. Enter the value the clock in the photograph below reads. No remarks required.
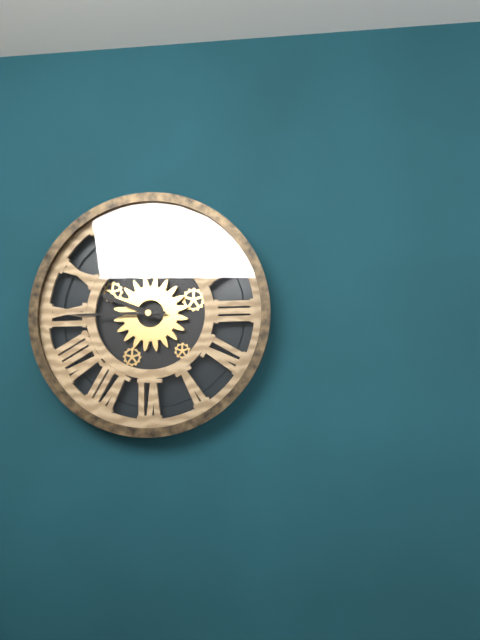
9:45
